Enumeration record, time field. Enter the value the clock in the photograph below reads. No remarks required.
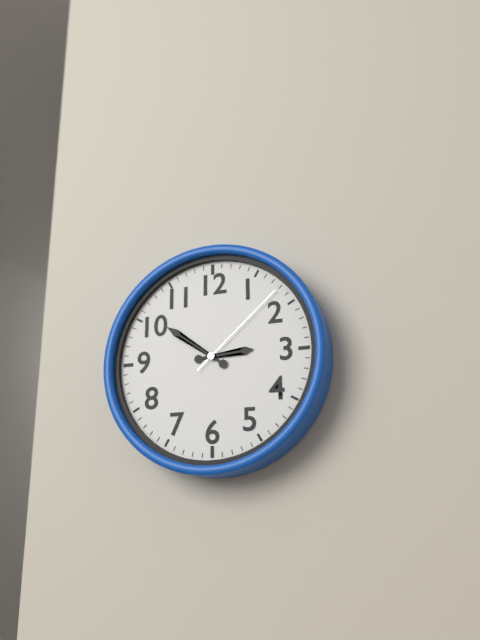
2:51:08
